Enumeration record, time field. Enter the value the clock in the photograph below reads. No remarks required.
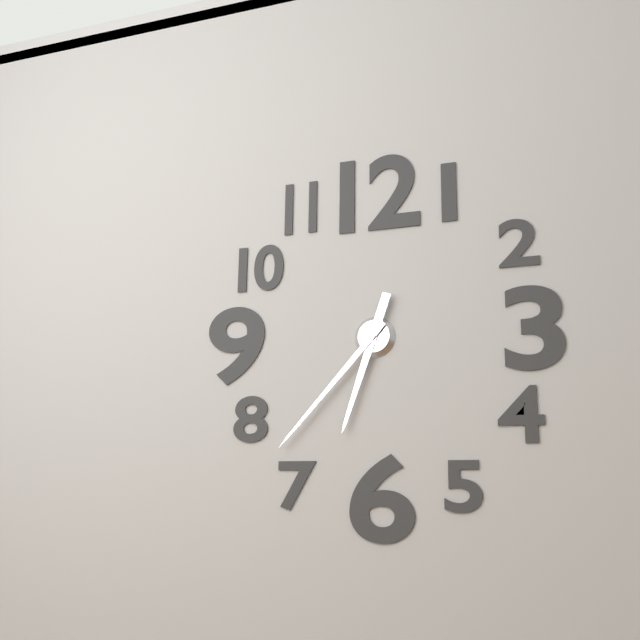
6:37
